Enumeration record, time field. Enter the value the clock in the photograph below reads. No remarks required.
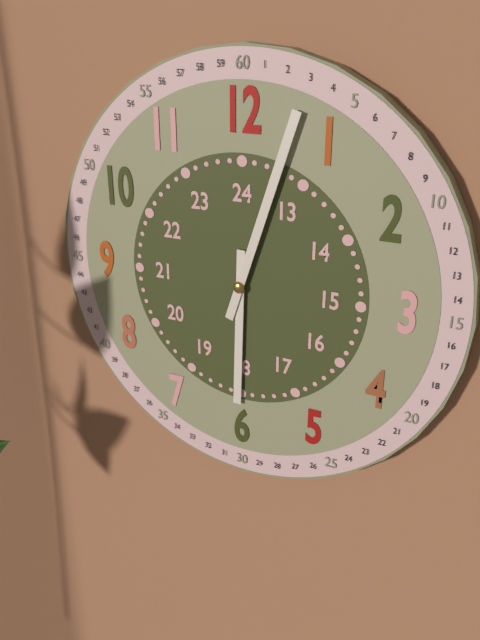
6:03
